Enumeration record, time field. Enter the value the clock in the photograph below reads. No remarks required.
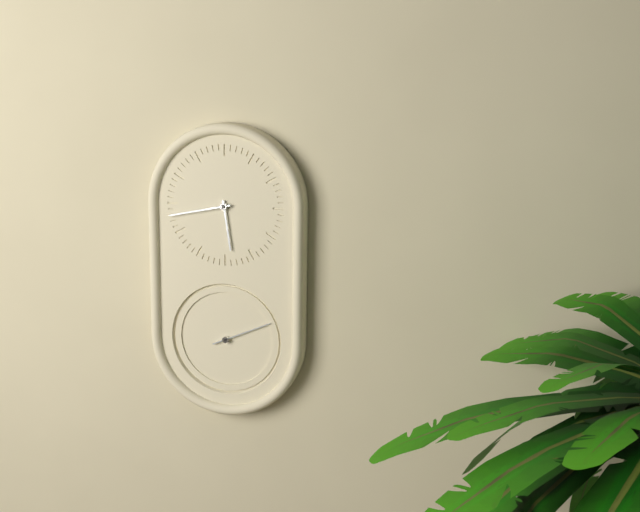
5:43:11
